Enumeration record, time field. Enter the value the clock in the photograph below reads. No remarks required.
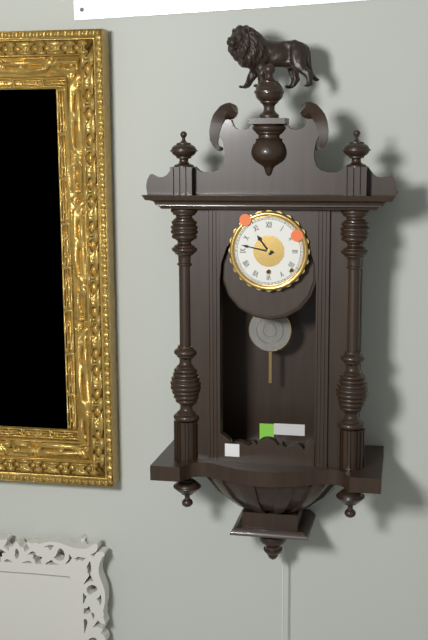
10:47
